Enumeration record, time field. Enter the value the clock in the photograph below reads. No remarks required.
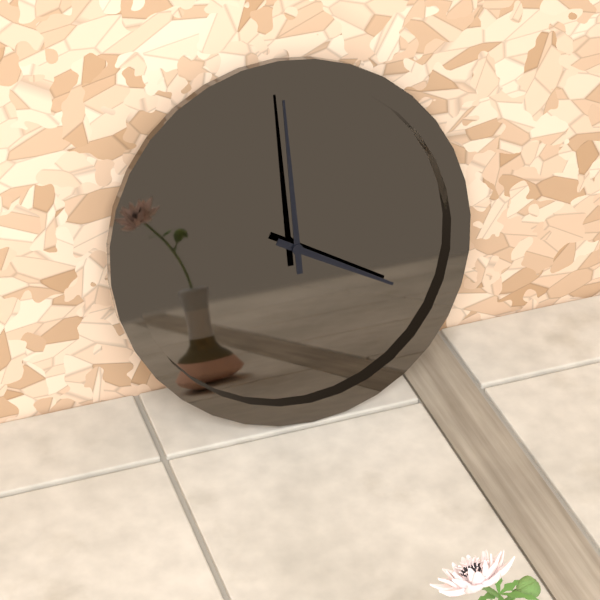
4:00
